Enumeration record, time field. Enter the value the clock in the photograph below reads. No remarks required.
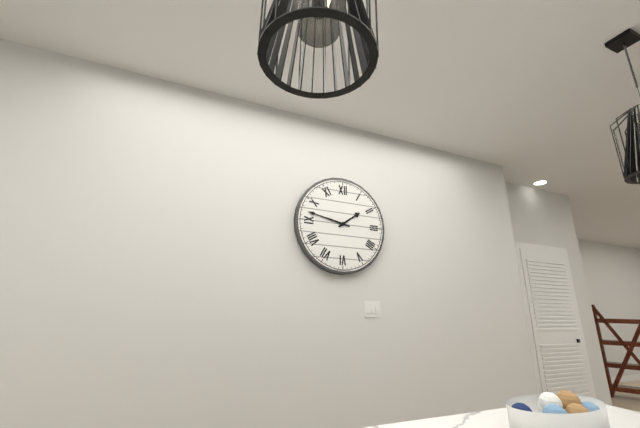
1:47
